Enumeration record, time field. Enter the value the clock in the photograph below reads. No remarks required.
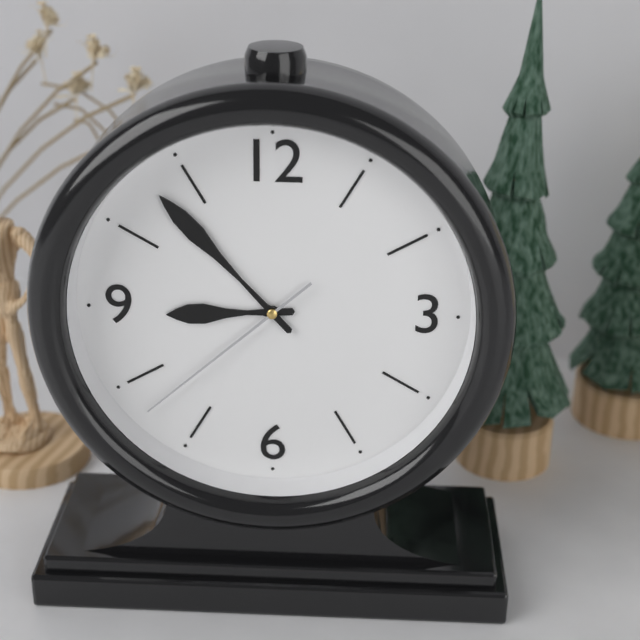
8:53:38
